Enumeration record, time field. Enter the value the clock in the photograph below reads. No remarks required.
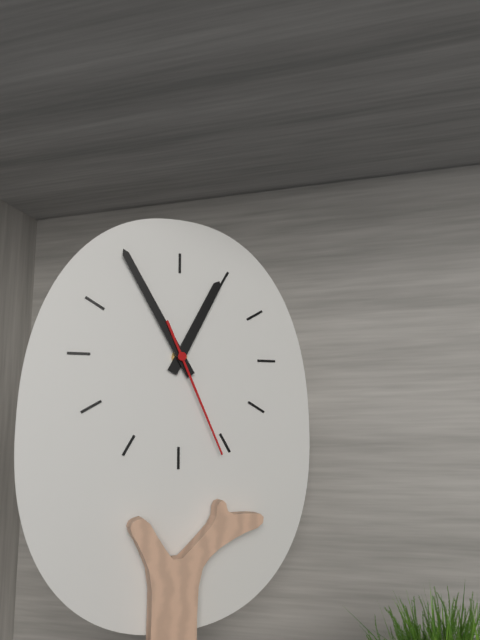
12:55:26
